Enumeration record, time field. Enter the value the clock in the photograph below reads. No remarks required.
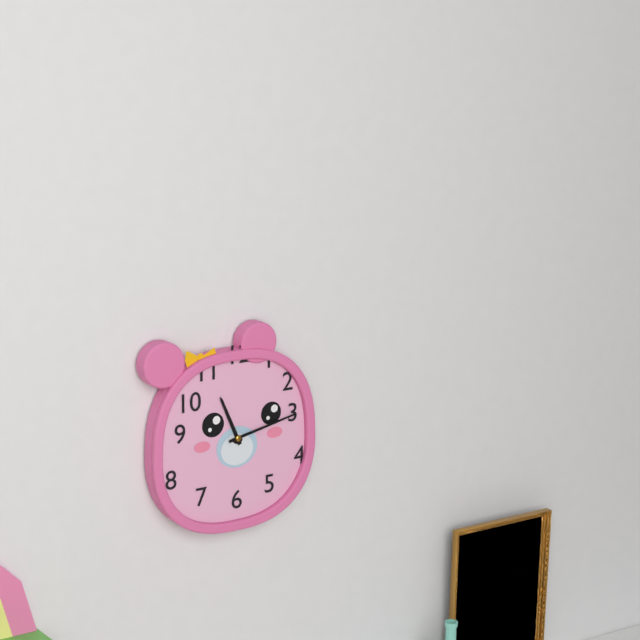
11:13
